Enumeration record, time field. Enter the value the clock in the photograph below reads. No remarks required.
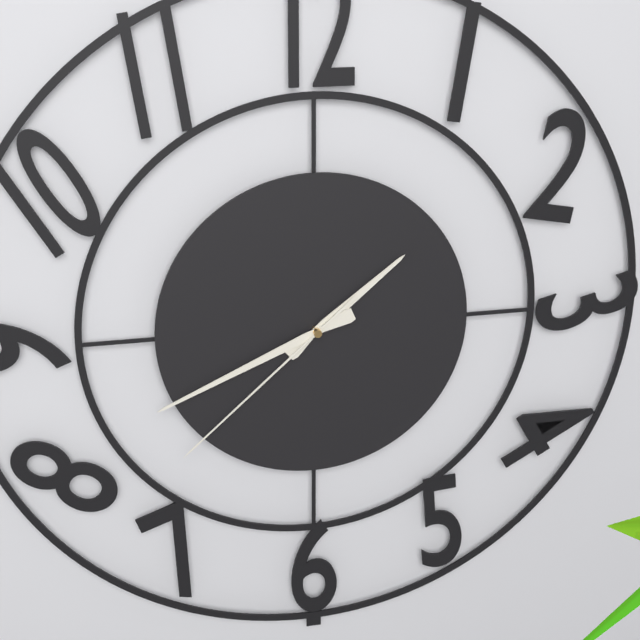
1:41:38
